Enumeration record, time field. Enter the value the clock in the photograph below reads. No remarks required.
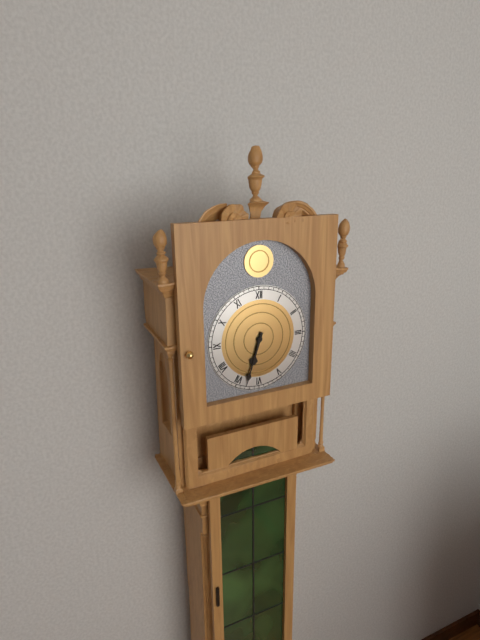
6:33
